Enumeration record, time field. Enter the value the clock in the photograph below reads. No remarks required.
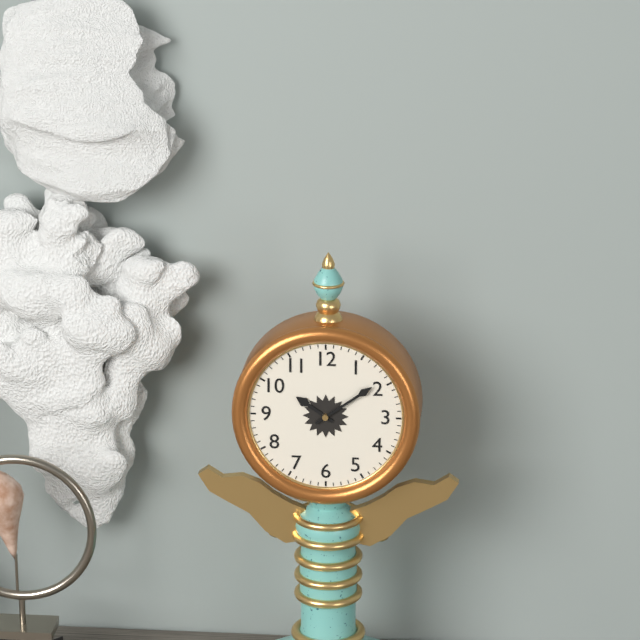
10:09
